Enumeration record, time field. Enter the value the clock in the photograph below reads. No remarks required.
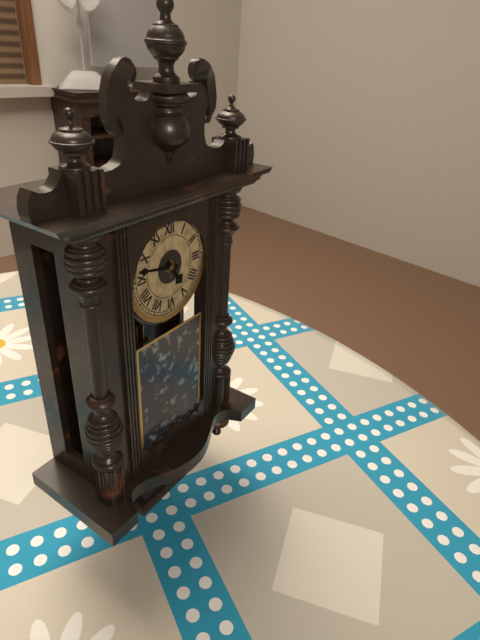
4:47
